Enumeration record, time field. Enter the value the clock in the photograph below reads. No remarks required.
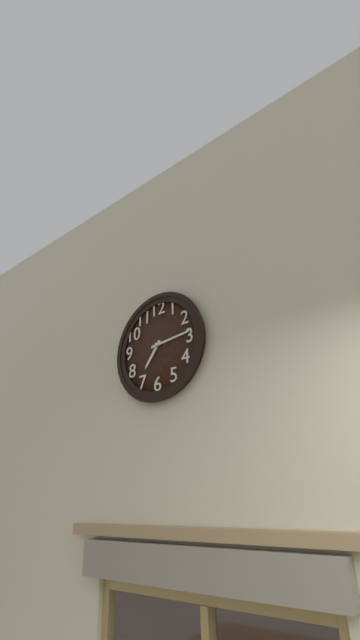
7:14
